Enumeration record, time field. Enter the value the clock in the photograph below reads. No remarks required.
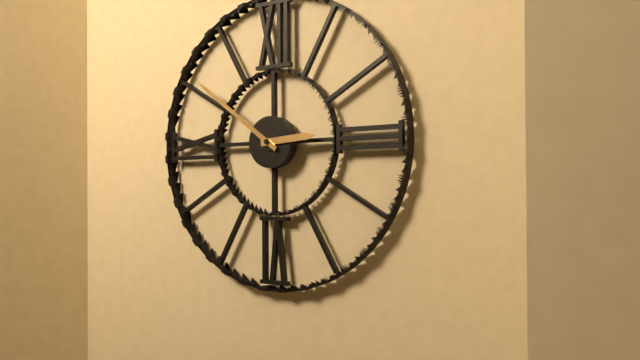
2:51
